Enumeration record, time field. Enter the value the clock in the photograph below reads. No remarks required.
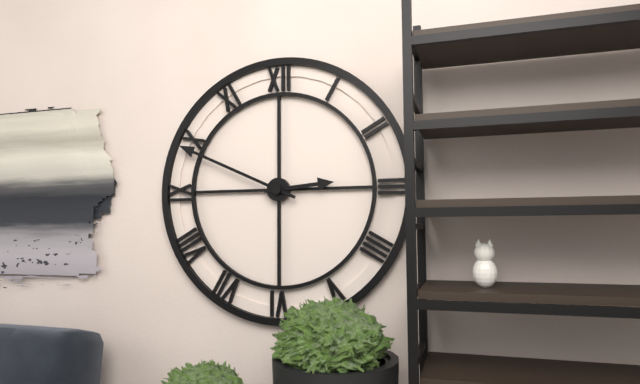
2:49
